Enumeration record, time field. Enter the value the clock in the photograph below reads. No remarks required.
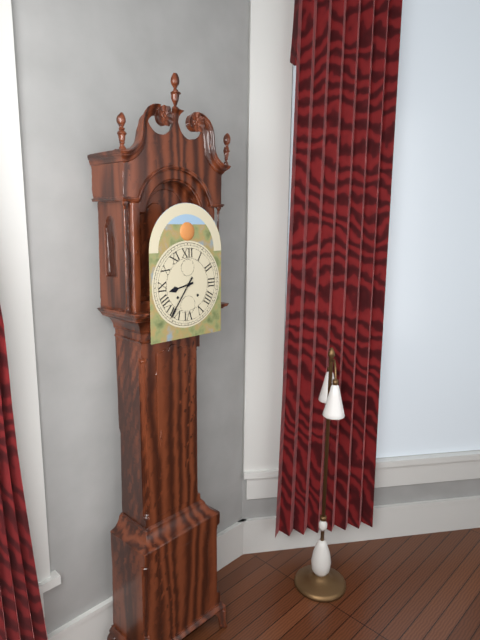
8:36
